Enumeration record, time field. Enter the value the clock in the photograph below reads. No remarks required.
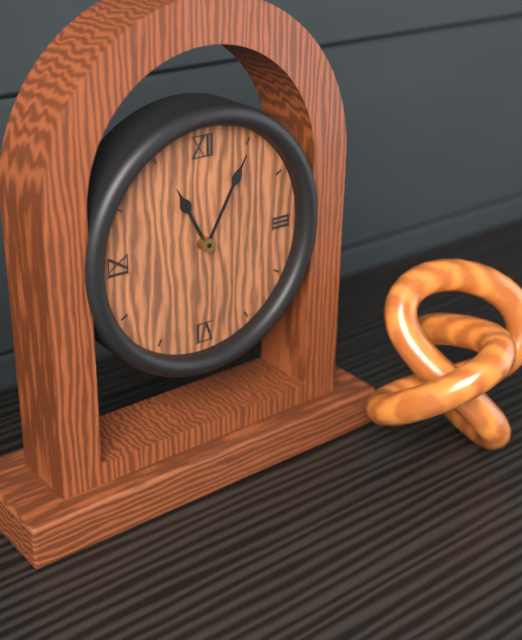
11:05
